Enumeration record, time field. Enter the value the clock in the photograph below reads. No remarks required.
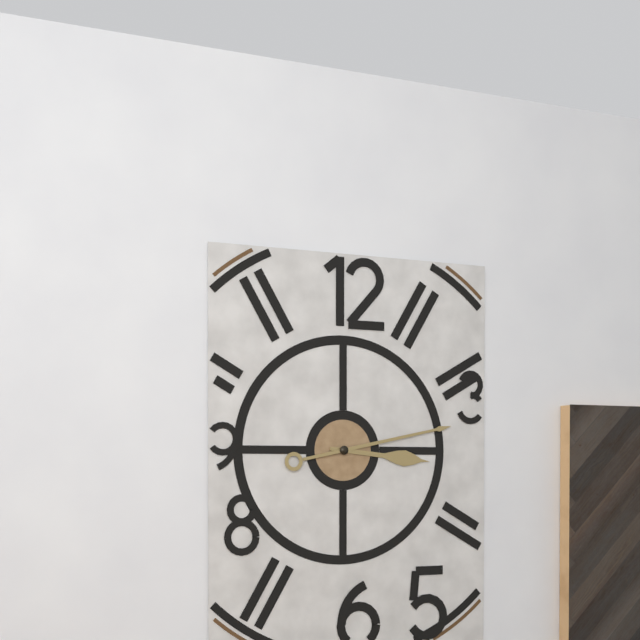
3:13
